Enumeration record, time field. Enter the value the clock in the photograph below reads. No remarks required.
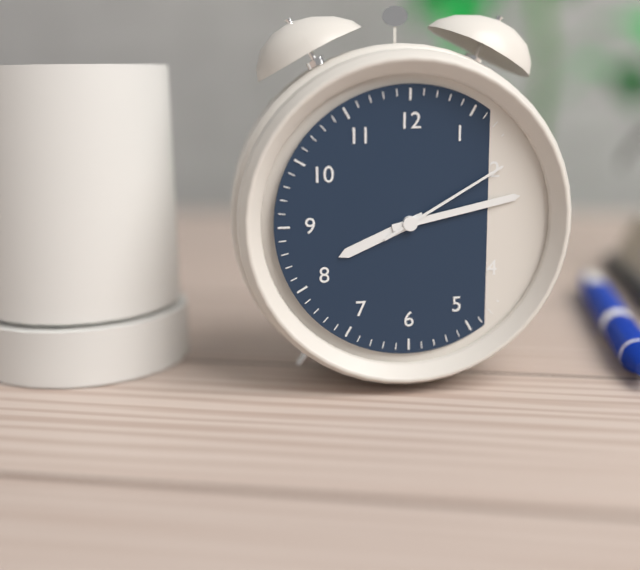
8:13:10
